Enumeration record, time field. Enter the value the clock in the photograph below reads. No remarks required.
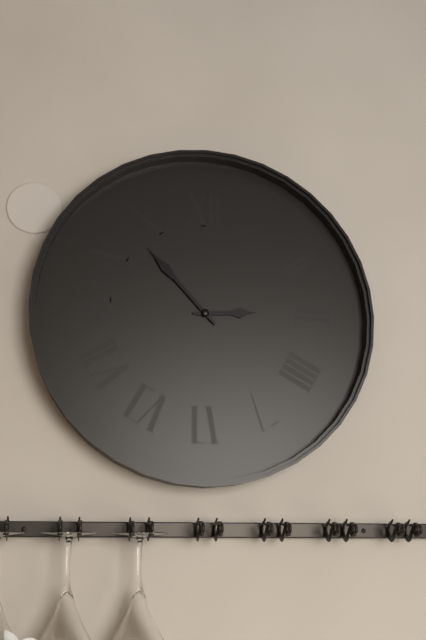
2:53
